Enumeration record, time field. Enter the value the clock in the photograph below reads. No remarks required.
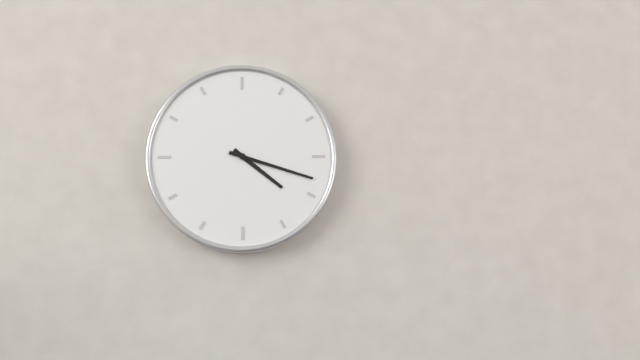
4:18
